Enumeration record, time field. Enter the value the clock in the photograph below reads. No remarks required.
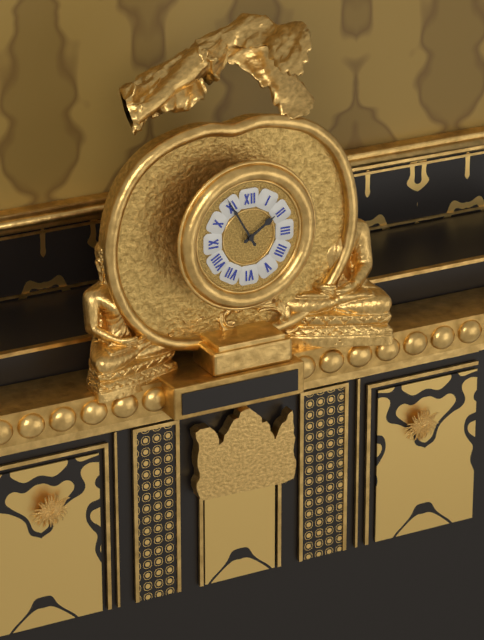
1:55
